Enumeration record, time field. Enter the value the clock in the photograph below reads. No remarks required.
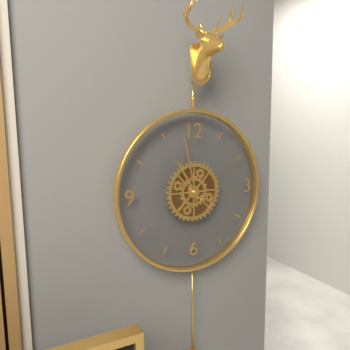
10:58
